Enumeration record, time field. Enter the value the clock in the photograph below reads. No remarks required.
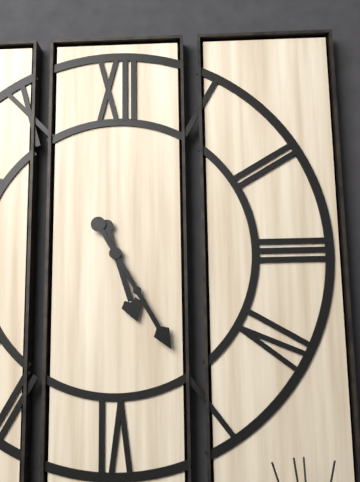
5:25
